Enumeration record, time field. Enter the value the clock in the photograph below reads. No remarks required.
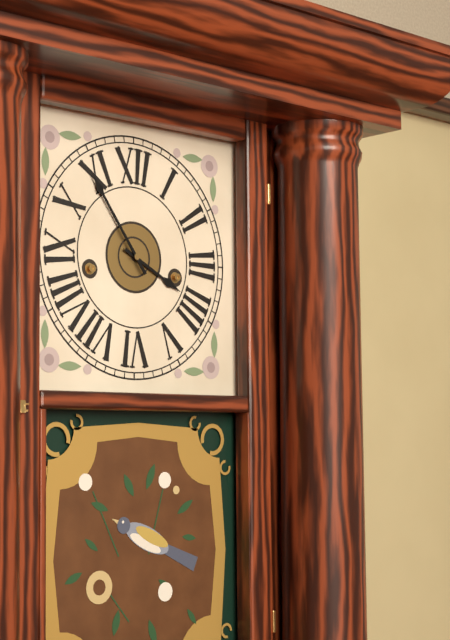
3:54
